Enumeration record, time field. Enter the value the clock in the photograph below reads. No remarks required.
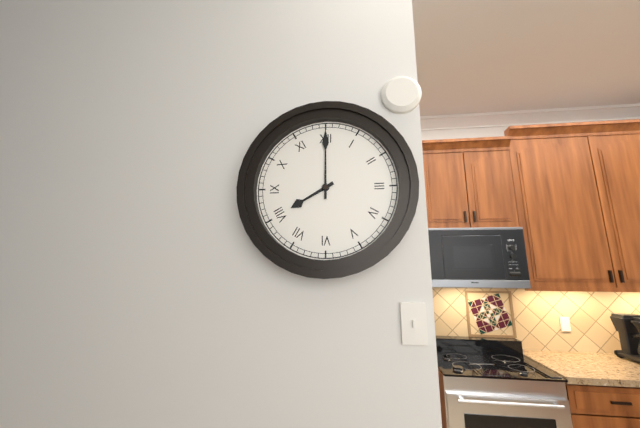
8:00
